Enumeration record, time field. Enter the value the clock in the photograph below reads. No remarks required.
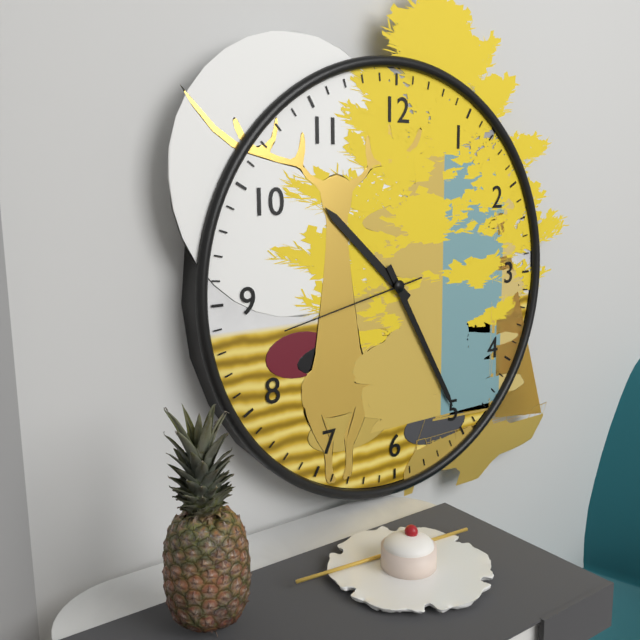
10:25:43
